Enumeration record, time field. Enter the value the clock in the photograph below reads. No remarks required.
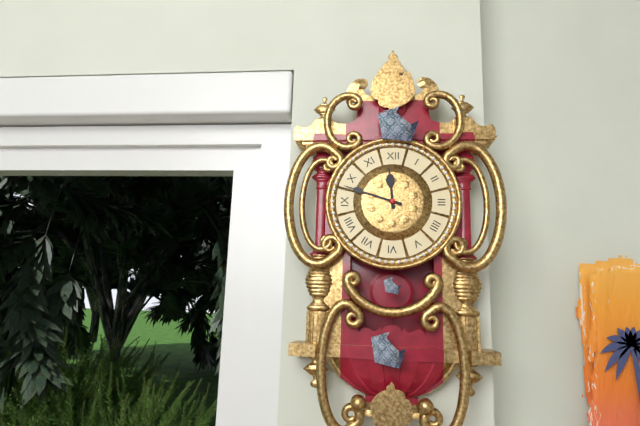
11:48
